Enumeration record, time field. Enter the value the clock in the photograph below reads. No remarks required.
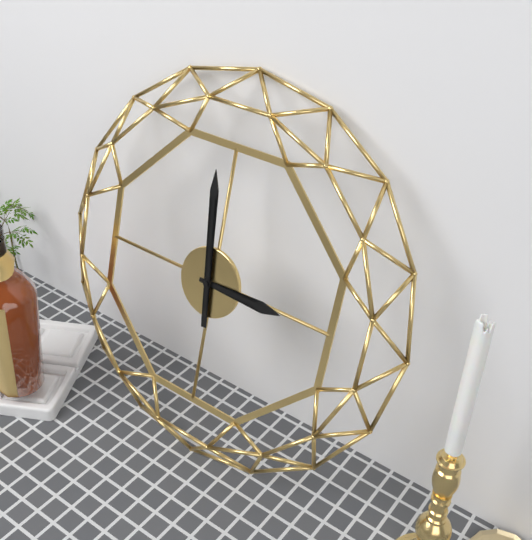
2:59
